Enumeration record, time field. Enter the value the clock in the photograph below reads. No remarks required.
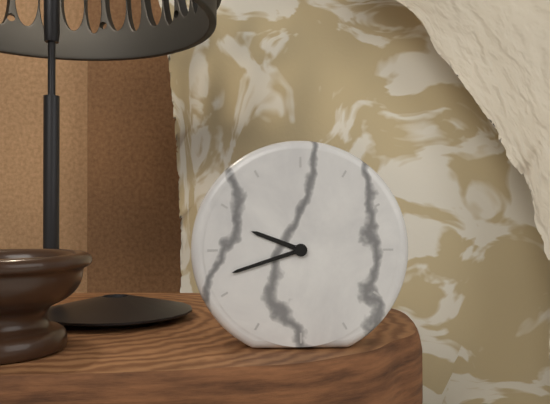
9:42
